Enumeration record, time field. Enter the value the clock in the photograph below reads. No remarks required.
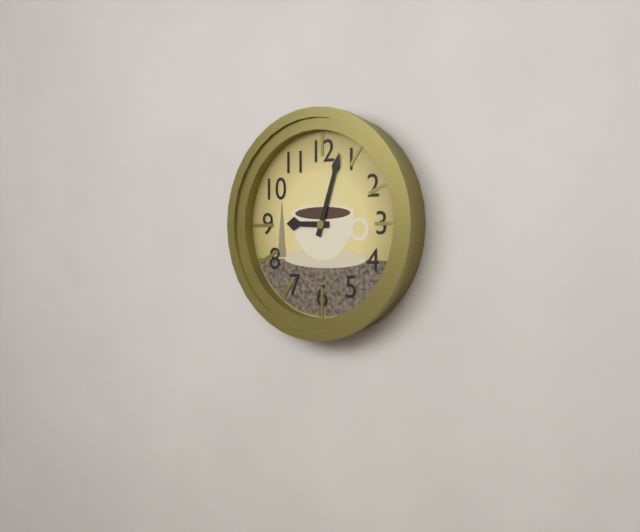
9:03
